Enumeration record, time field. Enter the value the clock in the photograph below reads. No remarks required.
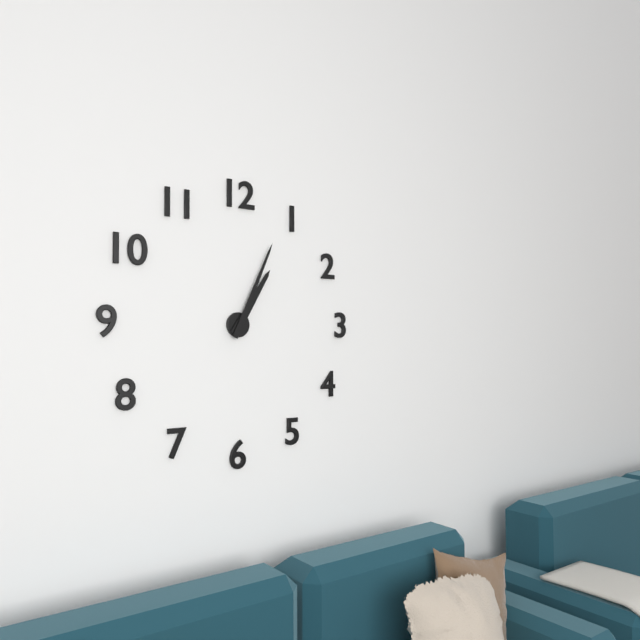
1:04
